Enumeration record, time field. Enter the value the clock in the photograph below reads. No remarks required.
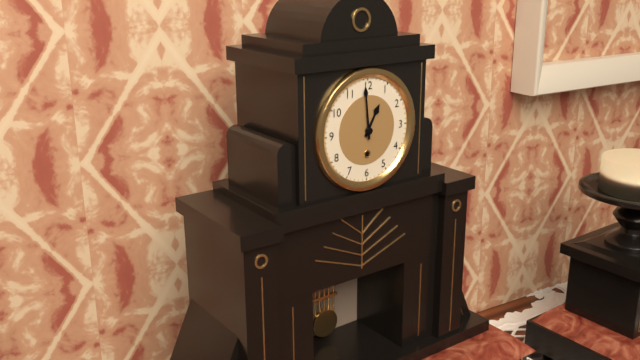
12:59
